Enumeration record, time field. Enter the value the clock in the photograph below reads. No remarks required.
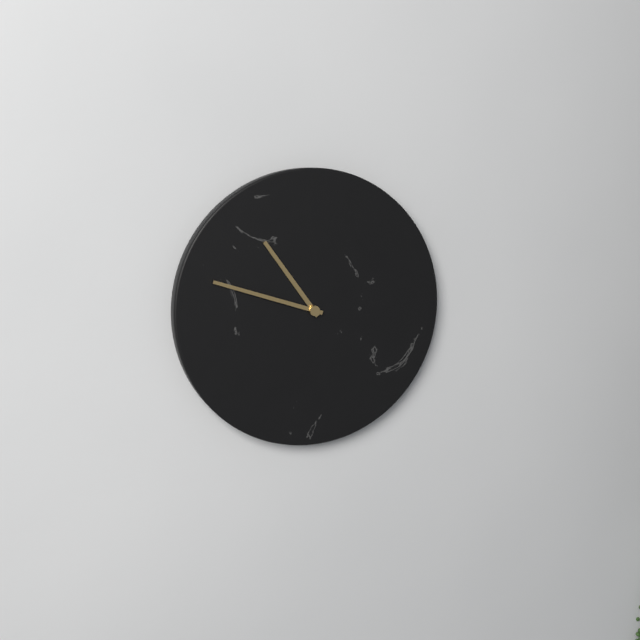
10:48
